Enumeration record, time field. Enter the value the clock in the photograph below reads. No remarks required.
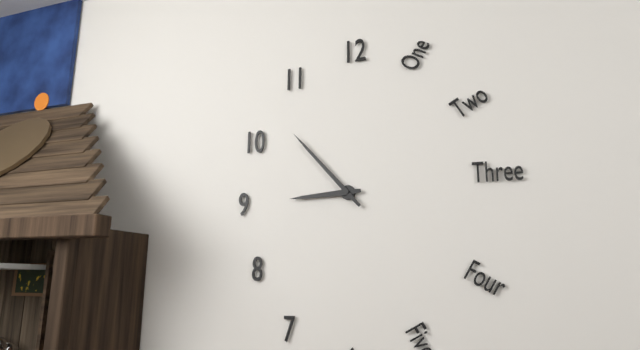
8:53
